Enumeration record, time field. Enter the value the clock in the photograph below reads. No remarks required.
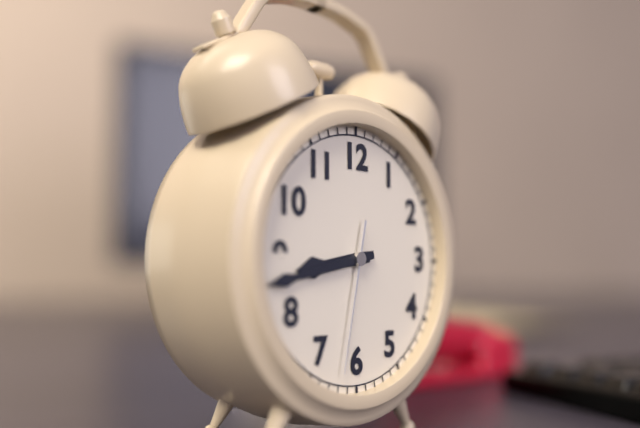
8:43:32
